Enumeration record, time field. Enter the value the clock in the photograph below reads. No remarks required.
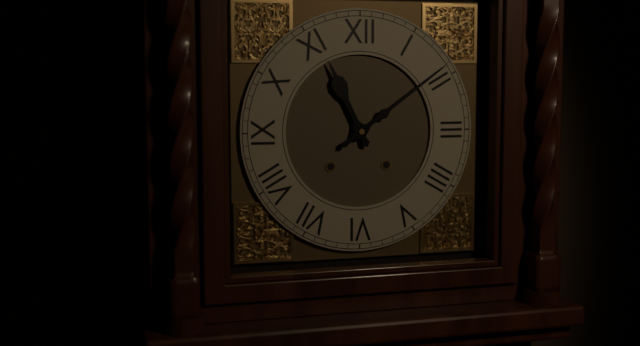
11:09
